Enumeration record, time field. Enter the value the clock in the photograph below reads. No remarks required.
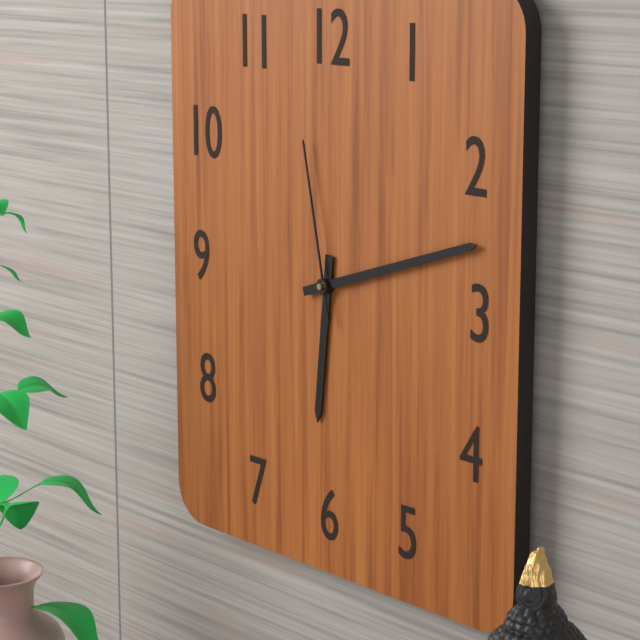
6:12:58
